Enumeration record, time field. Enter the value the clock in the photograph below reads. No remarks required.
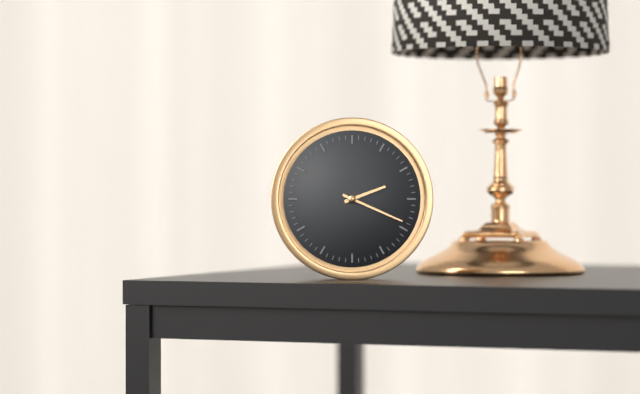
2:19
